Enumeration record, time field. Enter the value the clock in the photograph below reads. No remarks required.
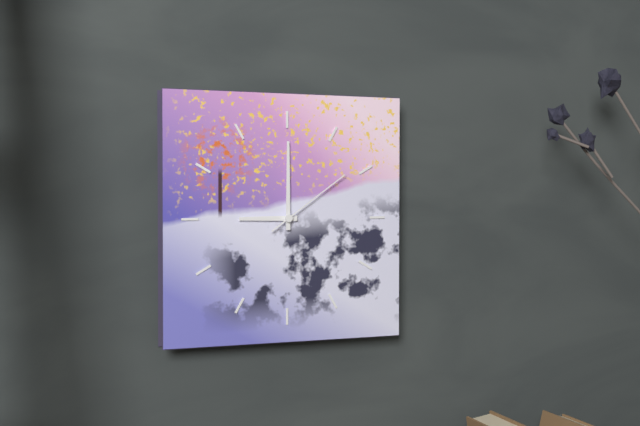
9:00:09
